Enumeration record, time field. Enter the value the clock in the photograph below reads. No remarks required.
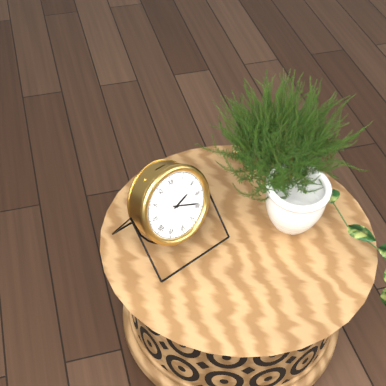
2:19
